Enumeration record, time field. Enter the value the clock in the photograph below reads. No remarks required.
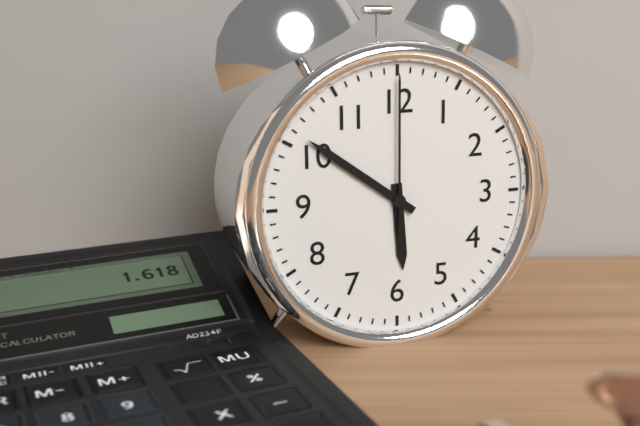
5:51:00
